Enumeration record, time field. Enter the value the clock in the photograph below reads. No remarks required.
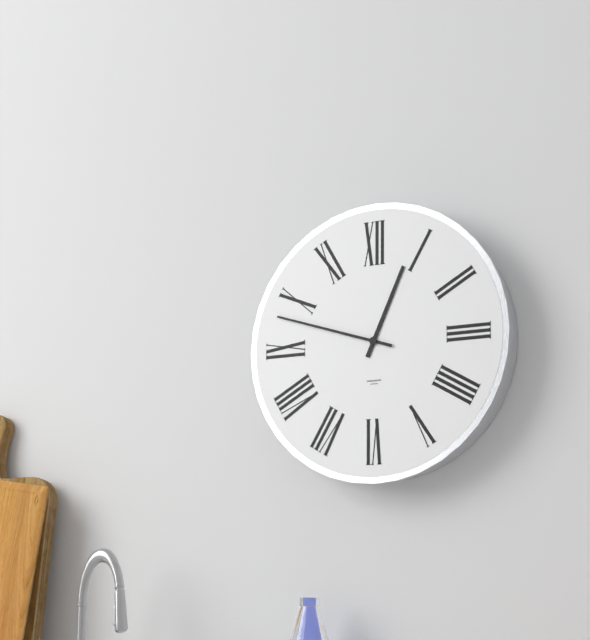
12:48
